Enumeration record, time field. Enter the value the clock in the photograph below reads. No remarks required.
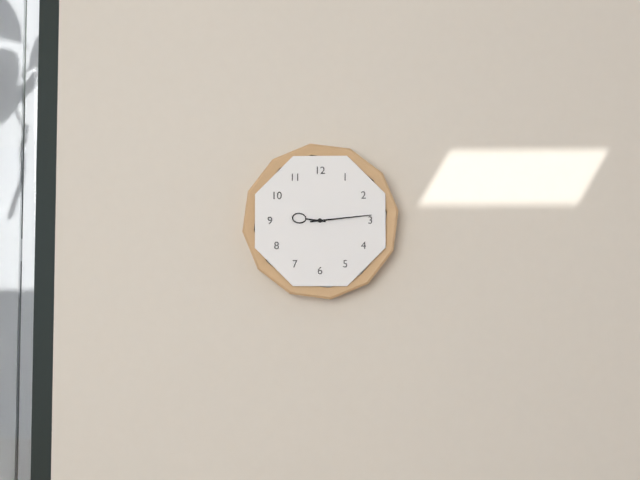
9:14
